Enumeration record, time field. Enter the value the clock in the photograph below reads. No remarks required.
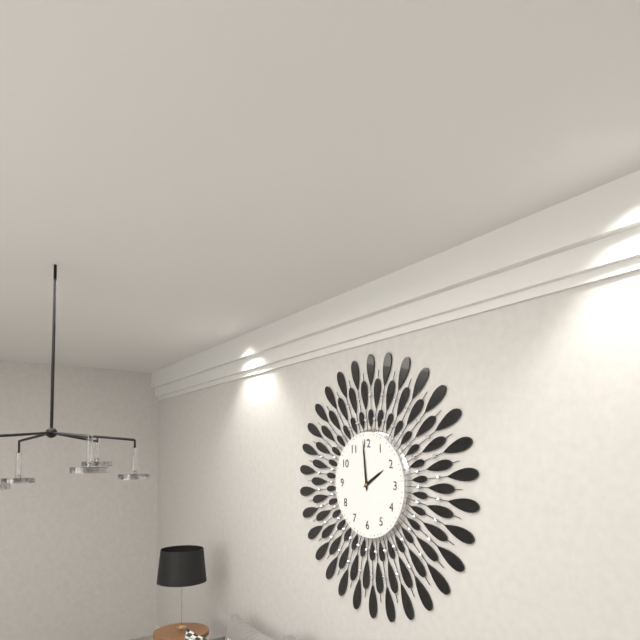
1:59
